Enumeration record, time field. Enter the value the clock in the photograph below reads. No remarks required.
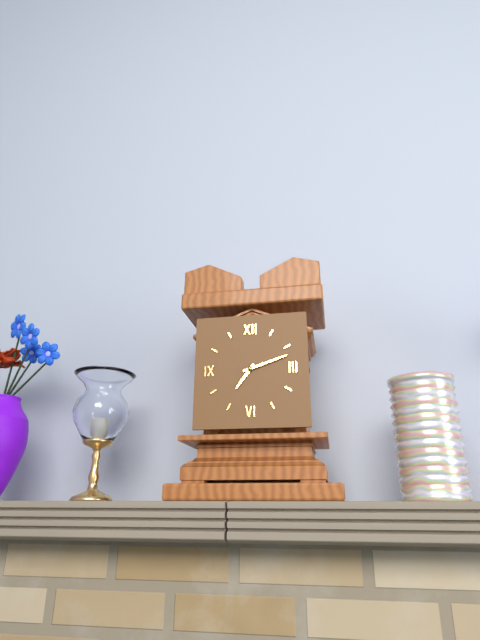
7:12
